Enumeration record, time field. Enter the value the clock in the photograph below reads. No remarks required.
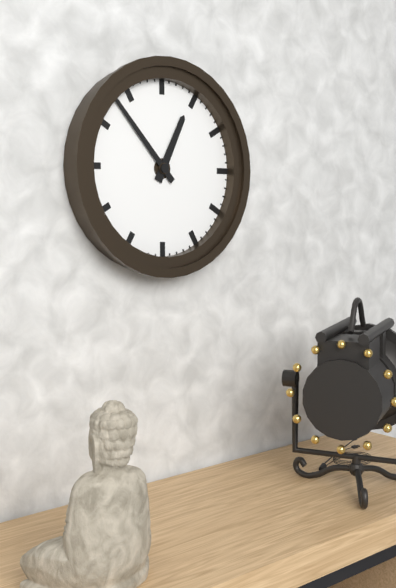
12:53
